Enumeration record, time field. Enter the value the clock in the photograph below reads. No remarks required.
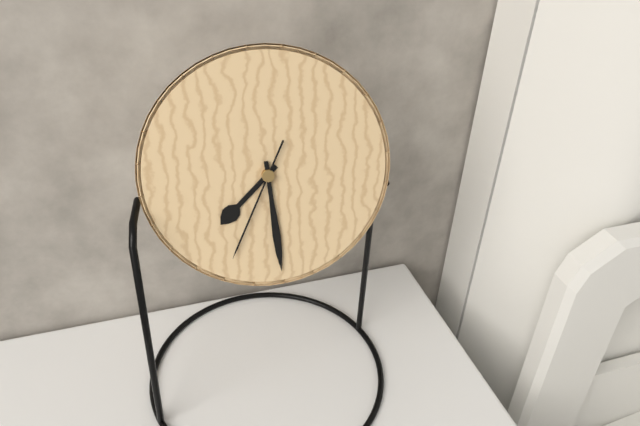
7:29:34
